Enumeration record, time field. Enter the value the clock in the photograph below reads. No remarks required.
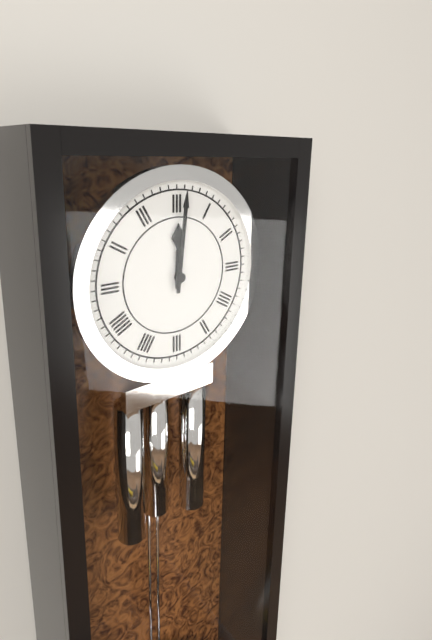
12:01
